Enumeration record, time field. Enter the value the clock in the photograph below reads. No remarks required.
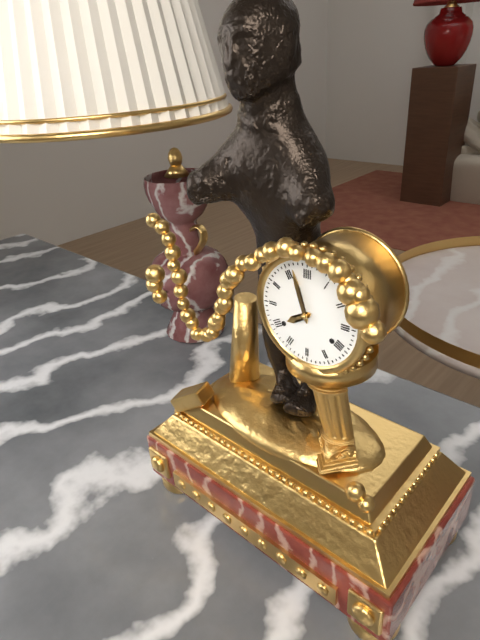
7:57
